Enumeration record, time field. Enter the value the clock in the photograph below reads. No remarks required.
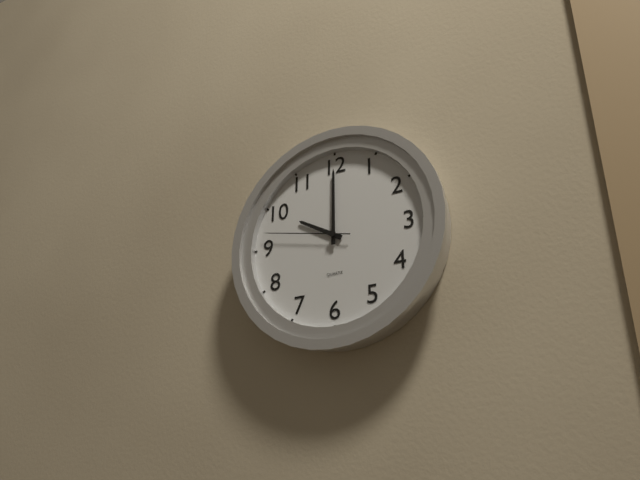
10:00:47
